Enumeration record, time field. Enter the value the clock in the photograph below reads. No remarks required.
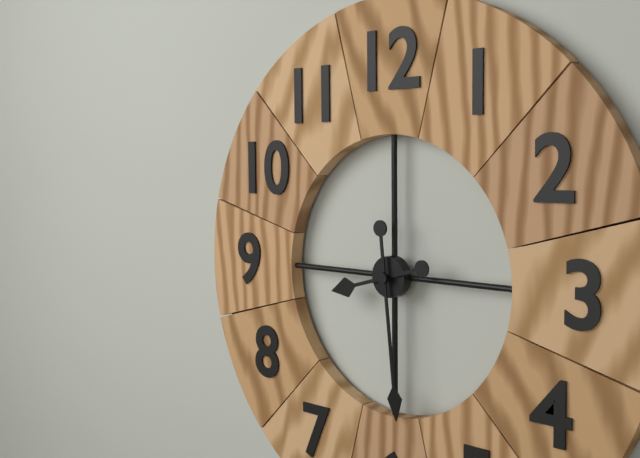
8:29
